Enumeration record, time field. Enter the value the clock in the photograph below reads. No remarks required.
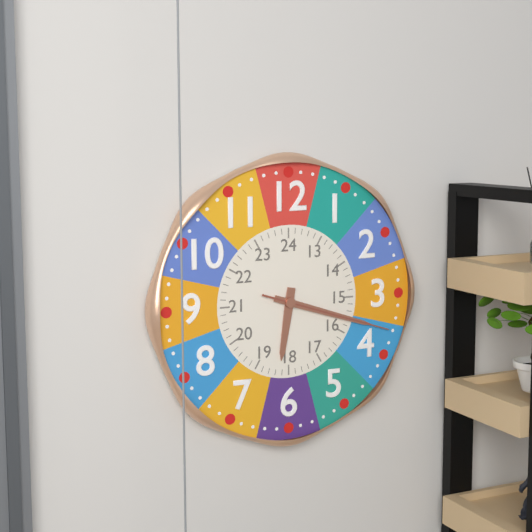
6:18:18
